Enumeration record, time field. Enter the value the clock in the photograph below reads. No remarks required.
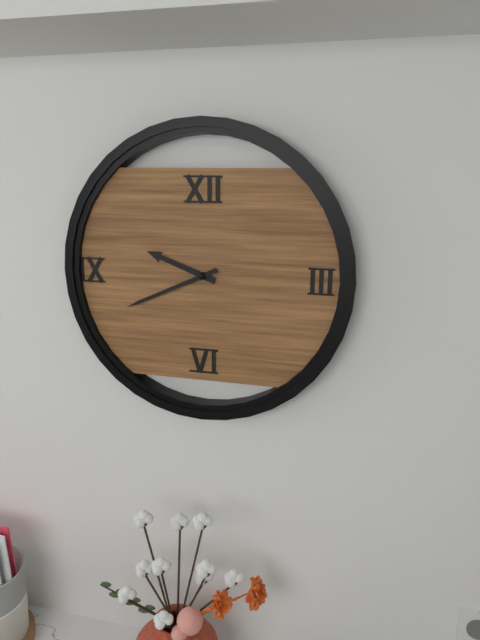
9:41
